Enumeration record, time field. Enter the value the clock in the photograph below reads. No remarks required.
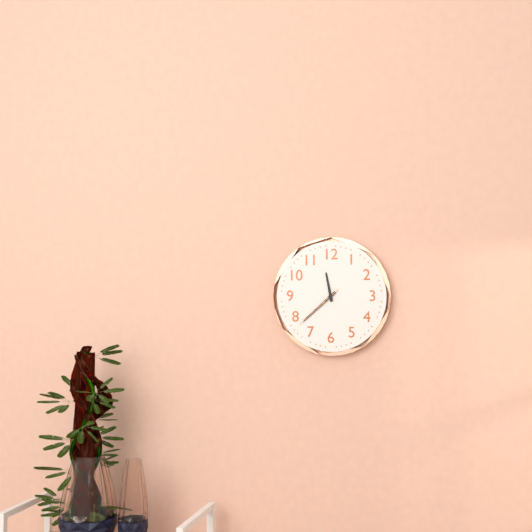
11:38:38
